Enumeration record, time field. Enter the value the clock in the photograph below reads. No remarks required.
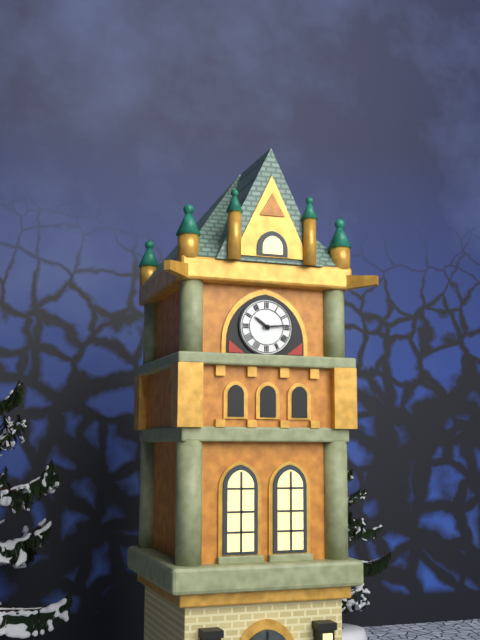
10:14
